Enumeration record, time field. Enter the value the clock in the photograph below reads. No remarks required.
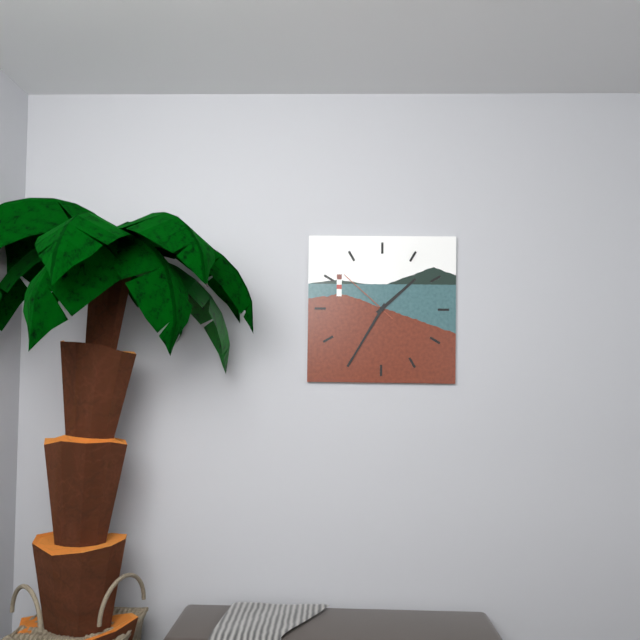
1:35:52
